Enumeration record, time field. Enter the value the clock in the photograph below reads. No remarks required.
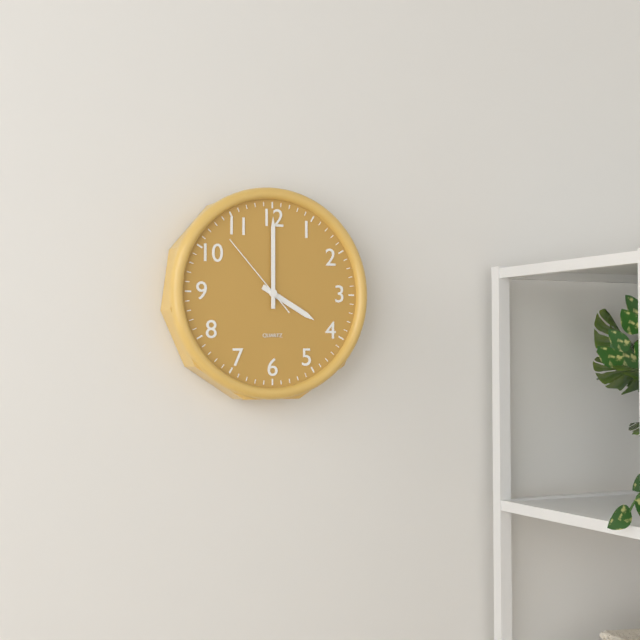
4:00:53
